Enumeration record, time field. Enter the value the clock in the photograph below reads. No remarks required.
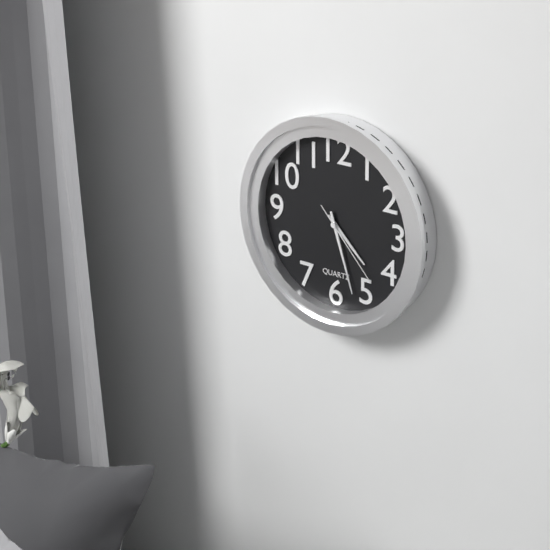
4:27:23
